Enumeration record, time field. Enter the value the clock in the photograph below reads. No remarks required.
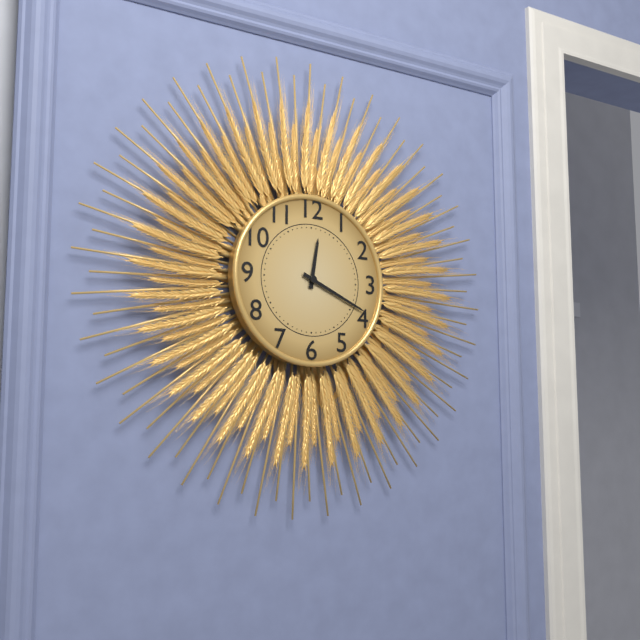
12:19
